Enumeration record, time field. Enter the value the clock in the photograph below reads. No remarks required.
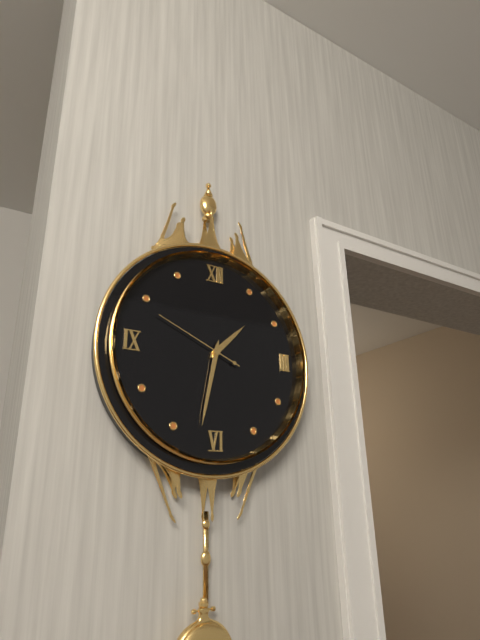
1:32:49
